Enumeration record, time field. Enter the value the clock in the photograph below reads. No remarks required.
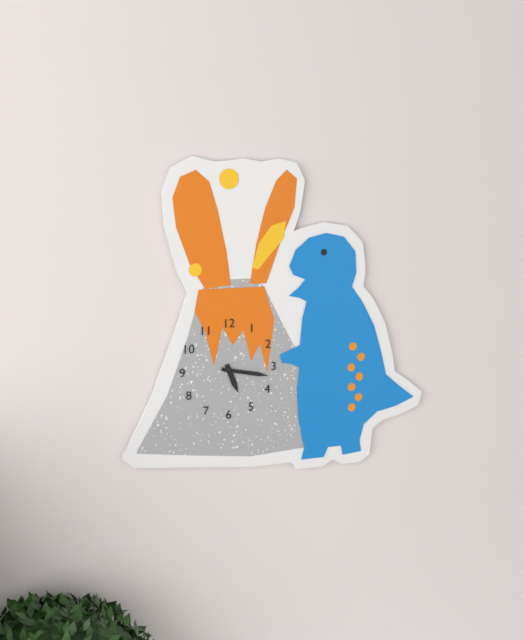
5:17
